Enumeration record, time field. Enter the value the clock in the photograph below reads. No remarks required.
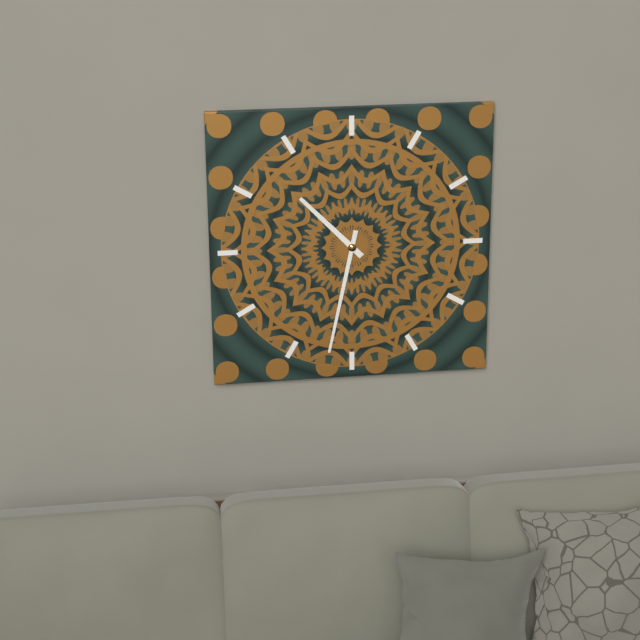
10:32
